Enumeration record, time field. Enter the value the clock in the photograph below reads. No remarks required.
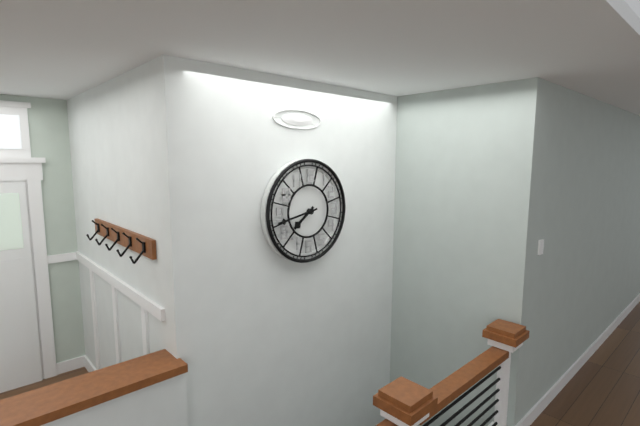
7:43
